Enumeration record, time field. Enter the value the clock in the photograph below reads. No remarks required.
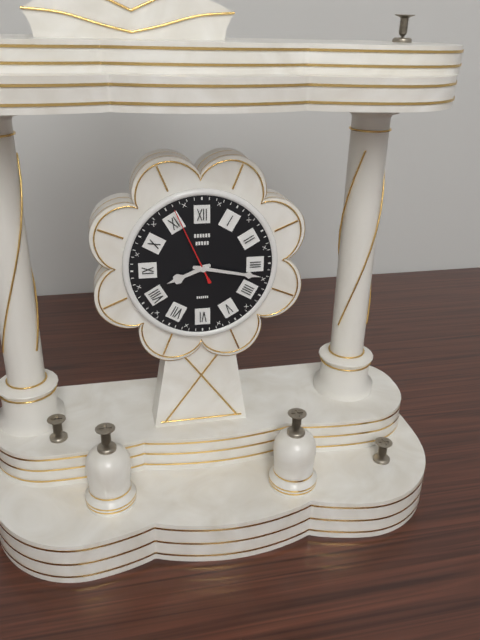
8:17:56
